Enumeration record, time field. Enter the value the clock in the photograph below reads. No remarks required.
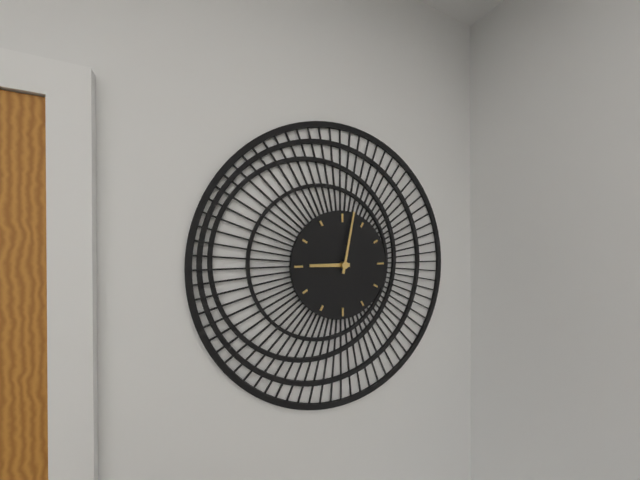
9:02
